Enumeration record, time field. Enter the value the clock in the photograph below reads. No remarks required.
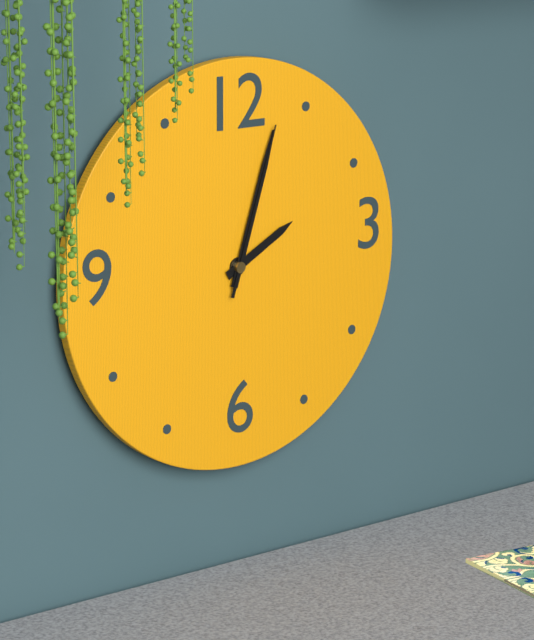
2:03:03
